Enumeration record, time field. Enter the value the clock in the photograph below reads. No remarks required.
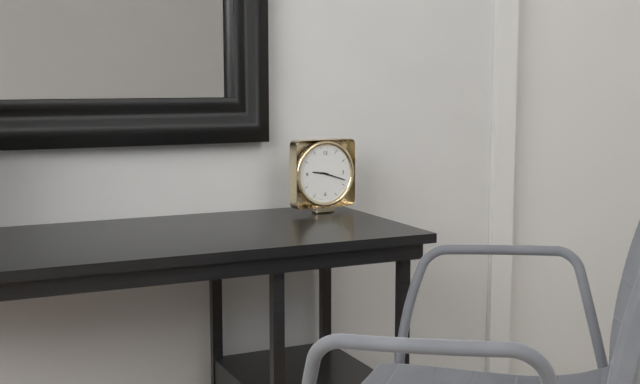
9:18
